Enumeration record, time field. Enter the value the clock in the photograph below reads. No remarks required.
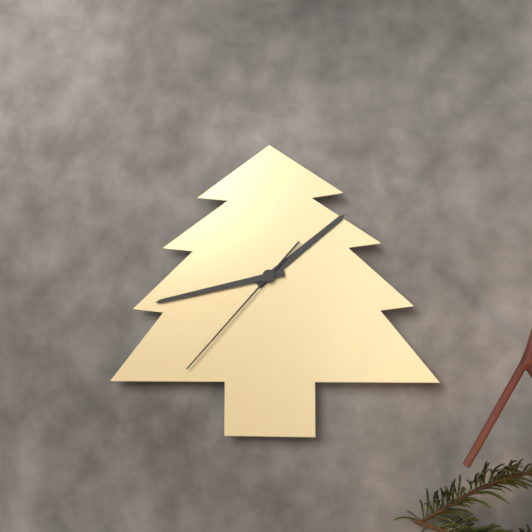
1:43:37
